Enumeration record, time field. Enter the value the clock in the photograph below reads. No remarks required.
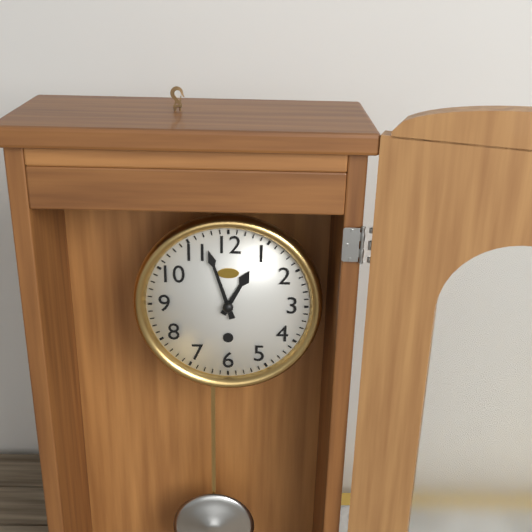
12:57
